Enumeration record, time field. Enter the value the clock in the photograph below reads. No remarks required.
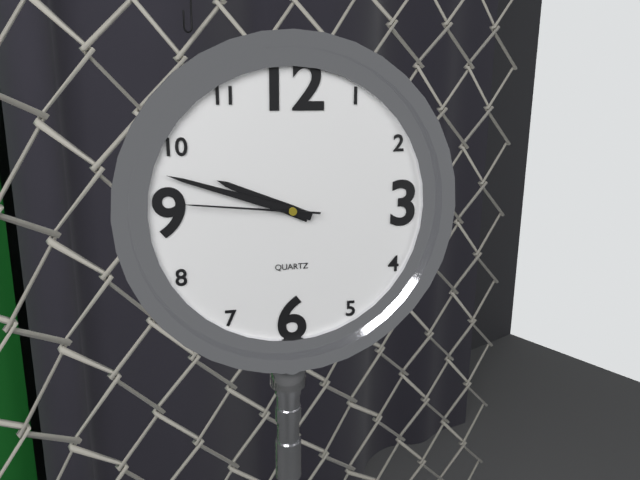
9:48:46
